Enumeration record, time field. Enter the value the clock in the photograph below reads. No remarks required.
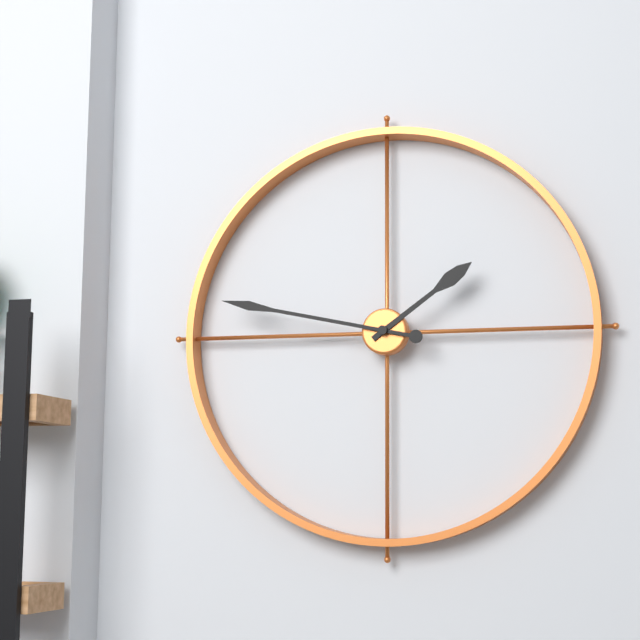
1:47
